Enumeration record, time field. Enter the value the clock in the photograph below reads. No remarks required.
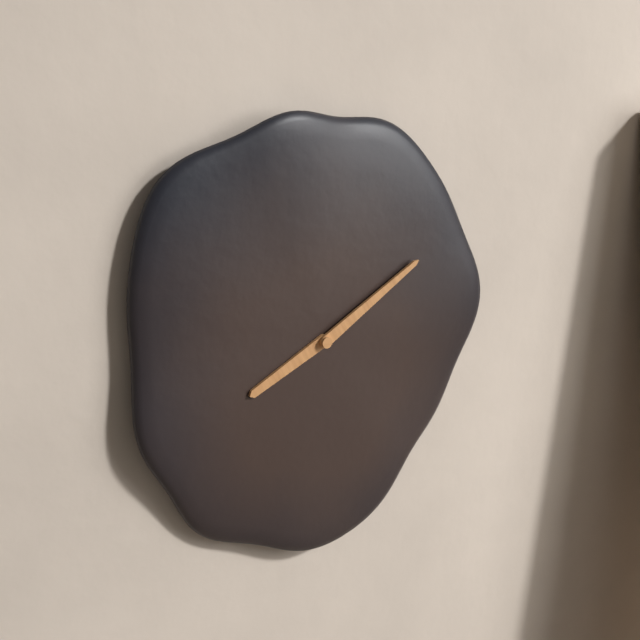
8:10
